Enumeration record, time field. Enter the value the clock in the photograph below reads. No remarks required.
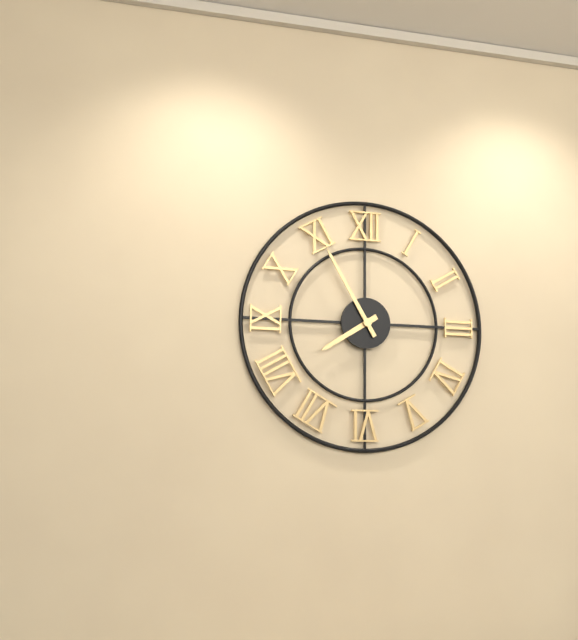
7:55
